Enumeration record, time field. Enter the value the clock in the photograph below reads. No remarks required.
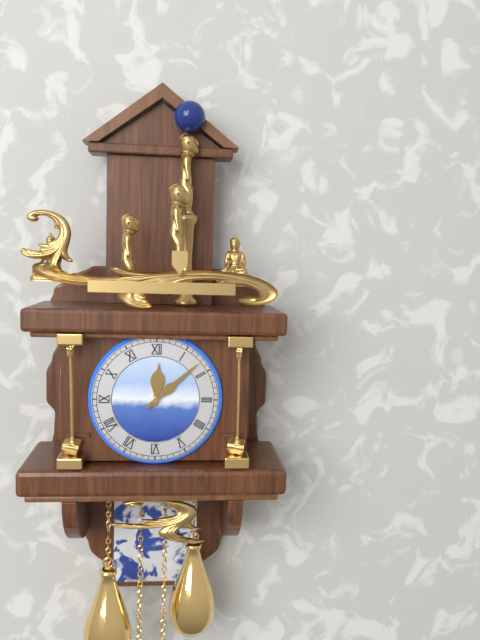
12:08
